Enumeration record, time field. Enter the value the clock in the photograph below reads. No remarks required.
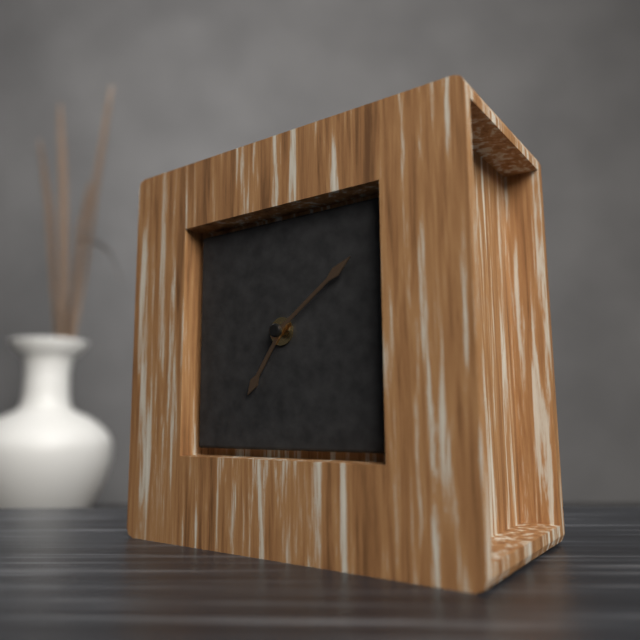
7:09
